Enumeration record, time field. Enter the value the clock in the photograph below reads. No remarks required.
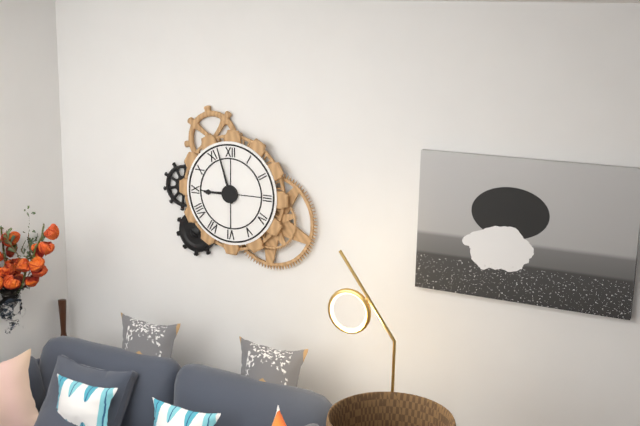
8:57
